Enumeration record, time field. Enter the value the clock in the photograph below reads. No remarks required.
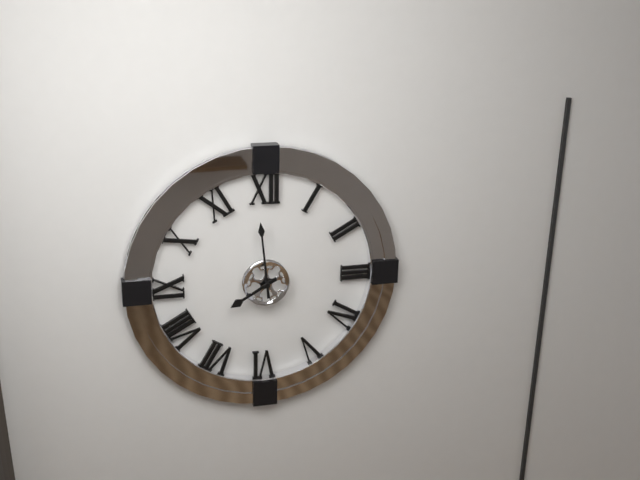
7:59
